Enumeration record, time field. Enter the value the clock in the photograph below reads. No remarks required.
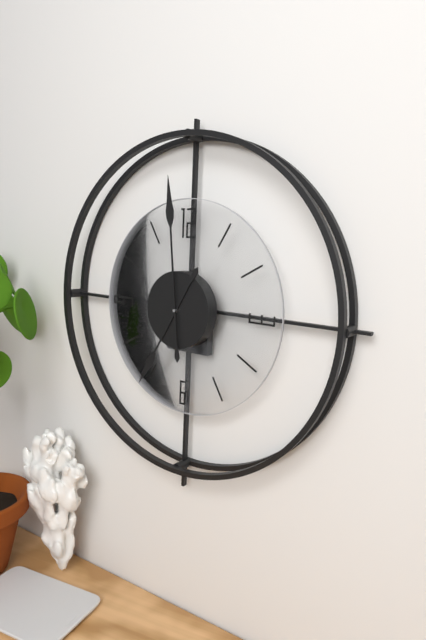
6:59
